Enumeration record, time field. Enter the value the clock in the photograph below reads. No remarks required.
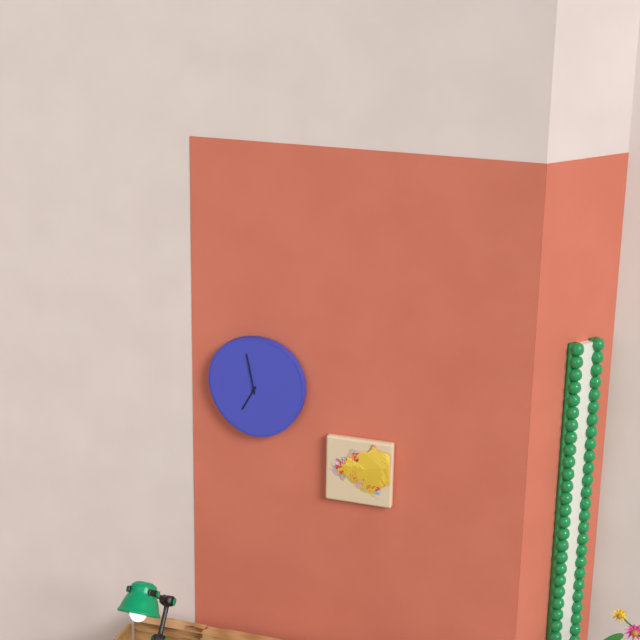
6:58
